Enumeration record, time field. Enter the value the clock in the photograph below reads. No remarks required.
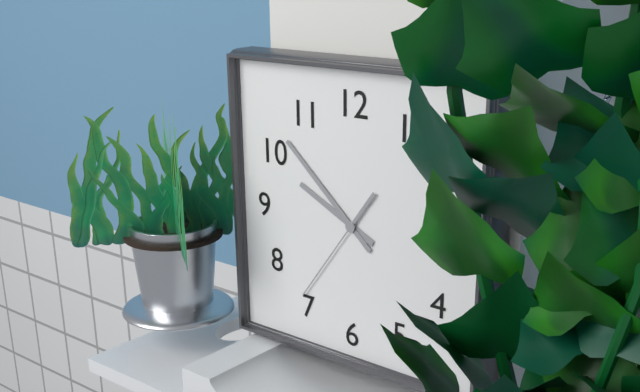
9:52:36
